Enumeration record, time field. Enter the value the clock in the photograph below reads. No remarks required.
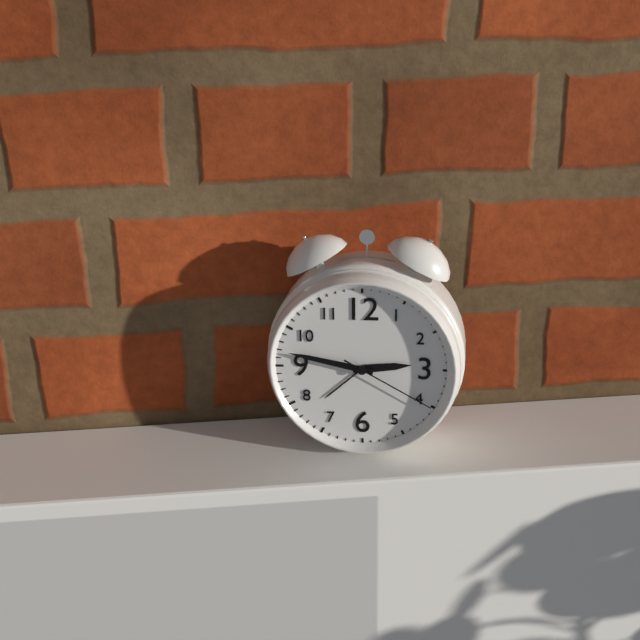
2:47:20
